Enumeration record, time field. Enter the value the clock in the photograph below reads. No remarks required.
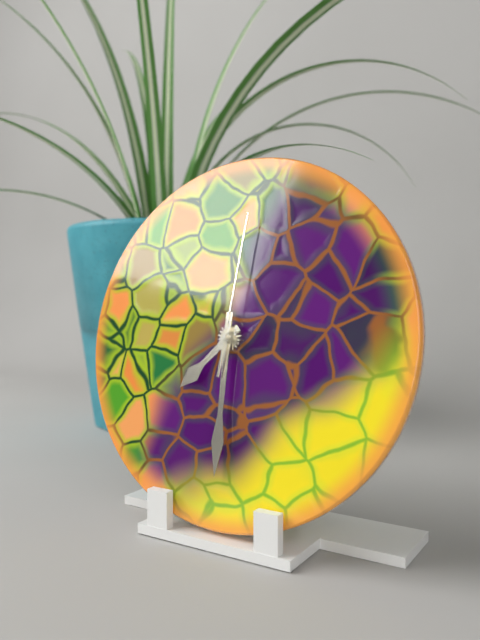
7:30:01
